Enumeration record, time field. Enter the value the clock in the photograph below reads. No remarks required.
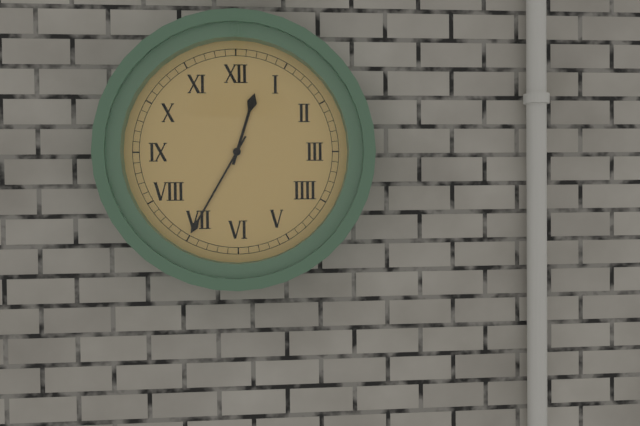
12:35
